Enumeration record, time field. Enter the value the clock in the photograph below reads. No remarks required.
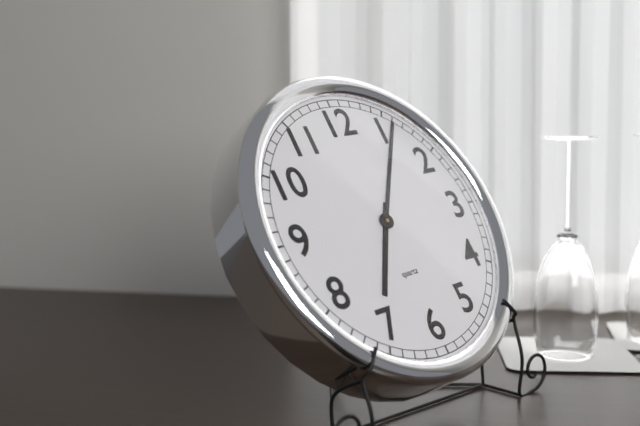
7:06
